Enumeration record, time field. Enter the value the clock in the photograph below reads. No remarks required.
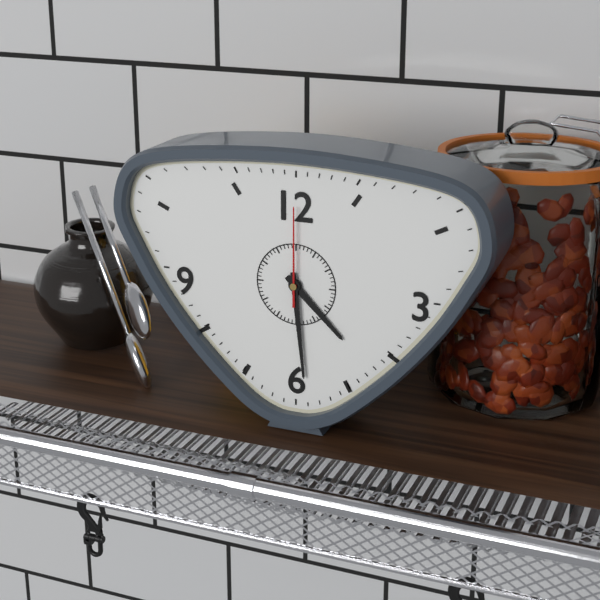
4:29:00
